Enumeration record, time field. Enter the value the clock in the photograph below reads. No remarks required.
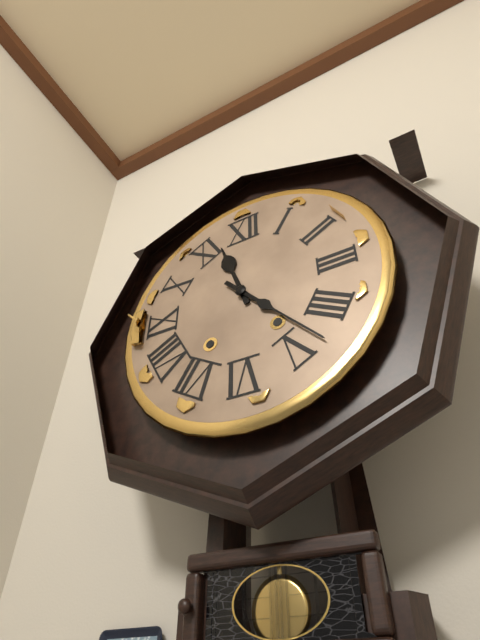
11:23
